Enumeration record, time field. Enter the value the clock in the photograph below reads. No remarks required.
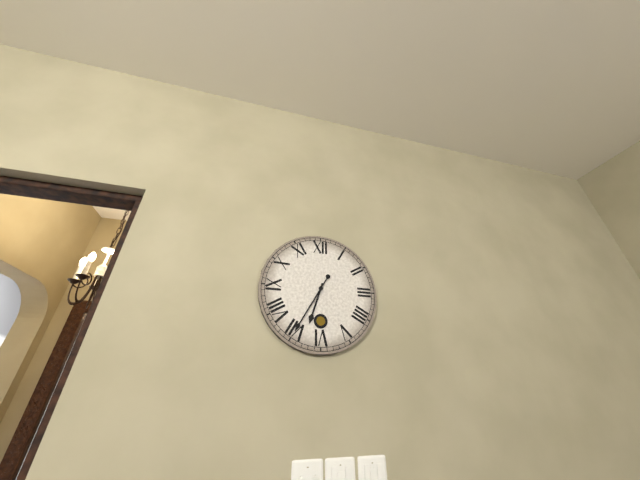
6:35
